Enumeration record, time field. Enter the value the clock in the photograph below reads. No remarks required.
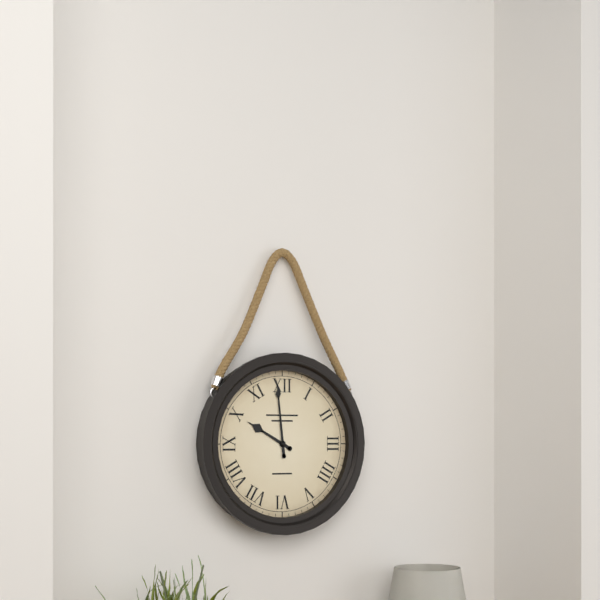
9:59
